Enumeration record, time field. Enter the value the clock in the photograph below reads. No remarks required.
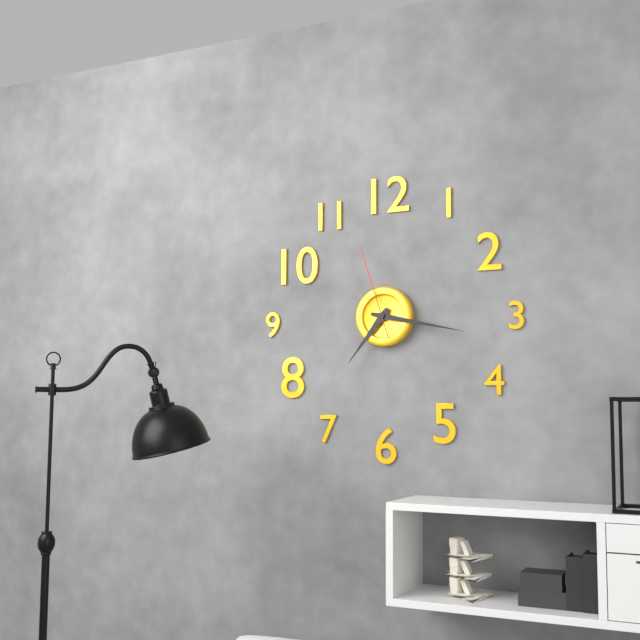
7:17:57
